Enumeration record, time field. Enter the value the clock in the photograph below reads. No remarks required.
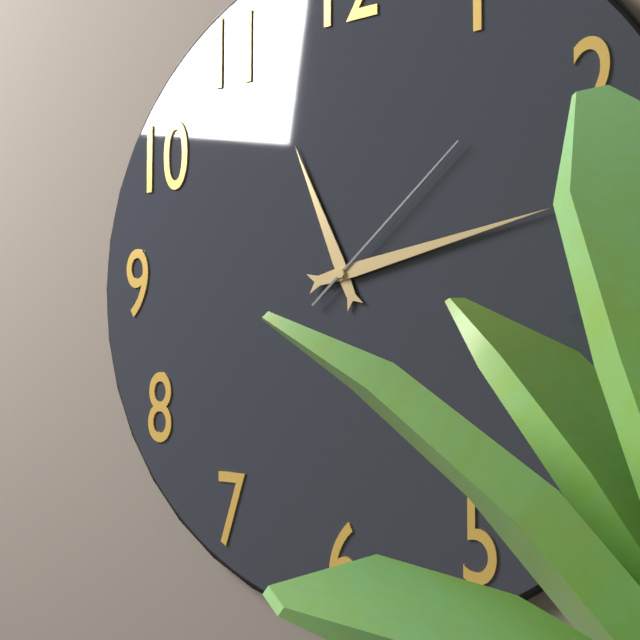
11:13:08
